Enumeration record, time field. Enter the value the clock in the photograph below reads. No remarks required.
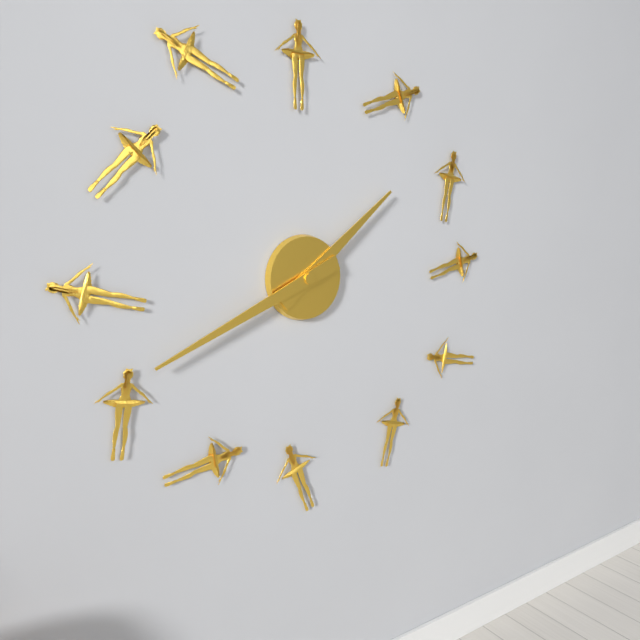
1:41
